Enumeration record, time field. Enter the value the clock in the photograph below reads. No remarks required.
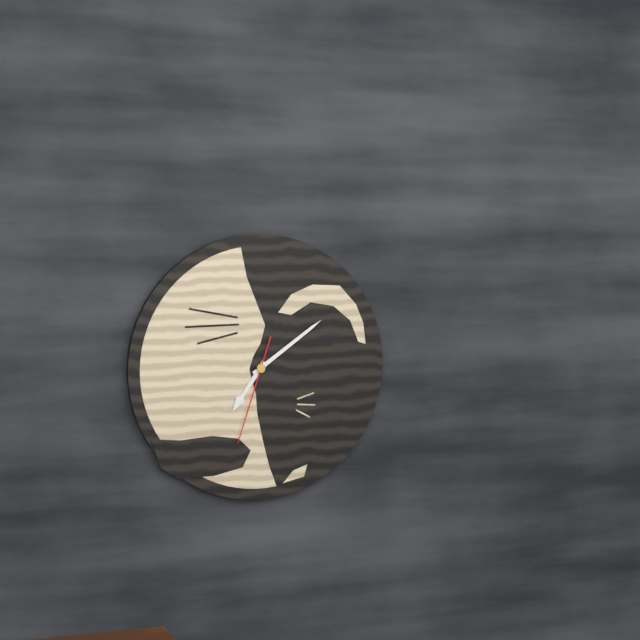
7:09:33
